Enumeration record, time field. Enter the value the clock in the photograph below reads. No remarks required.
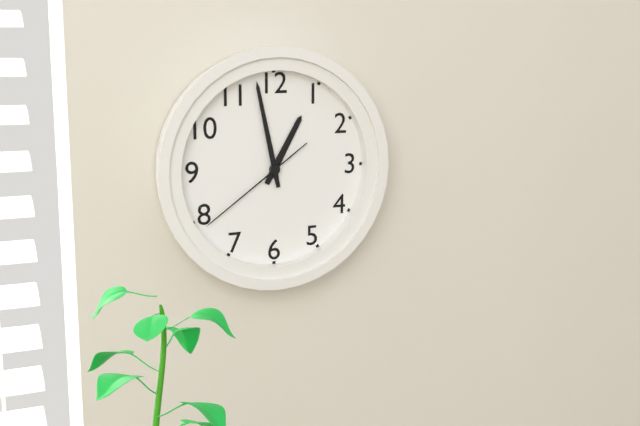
12:58:39
